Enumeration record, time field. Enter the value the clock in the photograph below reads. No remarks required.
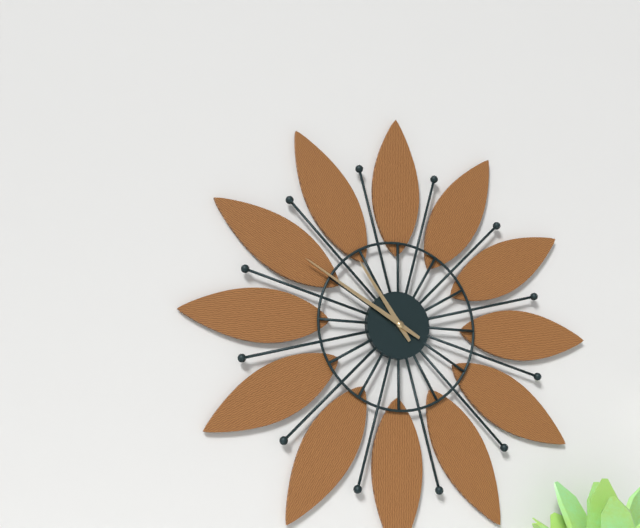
10:50
